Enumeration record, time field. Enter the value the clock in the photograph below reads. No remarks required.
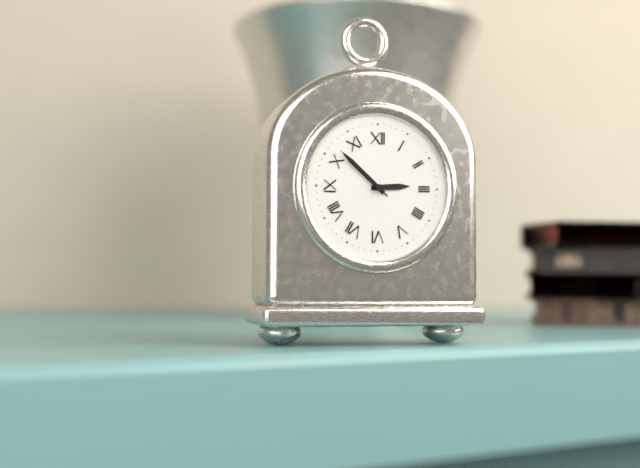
2:52:52
